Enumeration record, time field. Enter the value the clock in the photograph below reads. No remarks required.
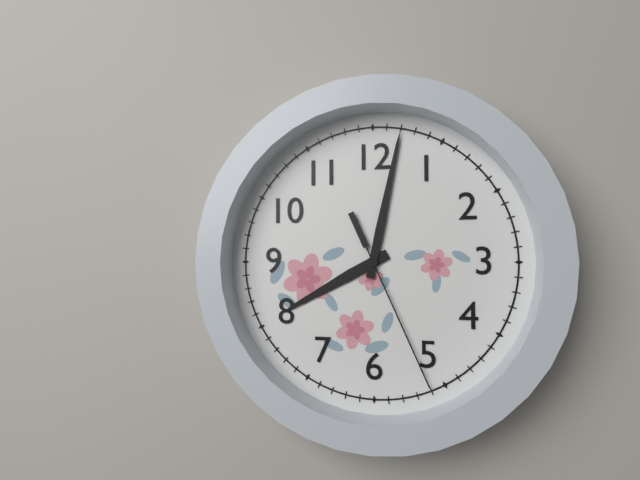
8:02:26
